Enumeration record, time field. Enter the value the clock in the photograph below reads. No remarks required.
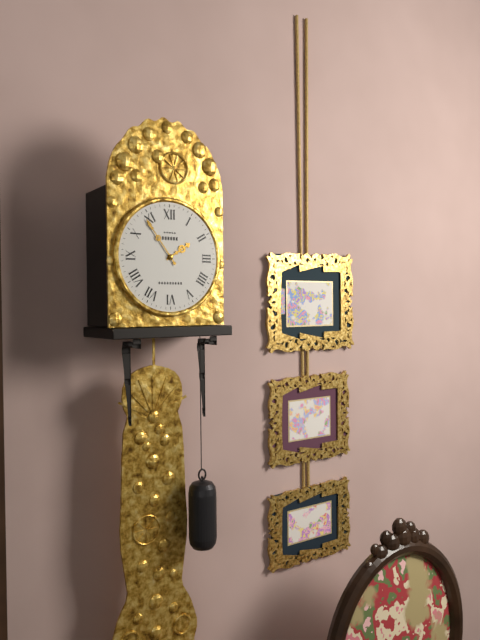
1:54
